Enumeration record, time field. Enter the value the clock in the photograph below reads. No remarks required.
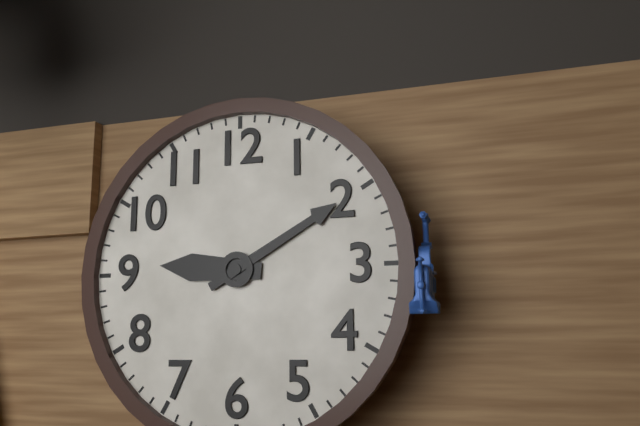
9:10
